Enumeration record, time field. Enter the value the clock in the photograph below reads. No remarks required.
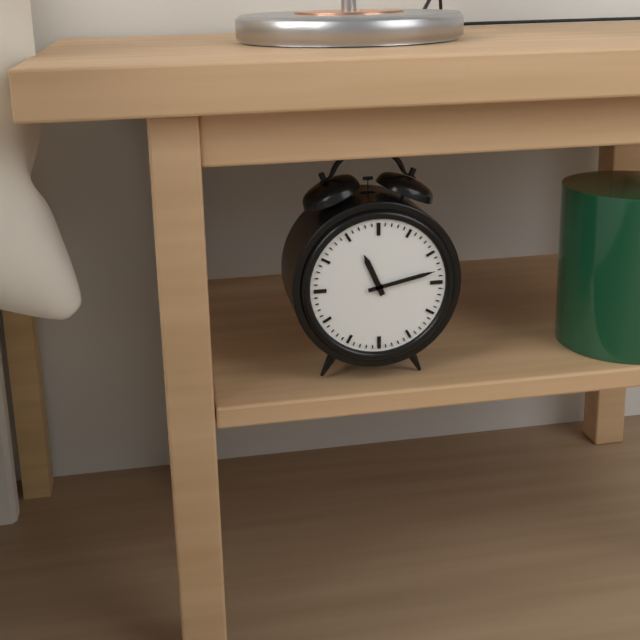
11:13
